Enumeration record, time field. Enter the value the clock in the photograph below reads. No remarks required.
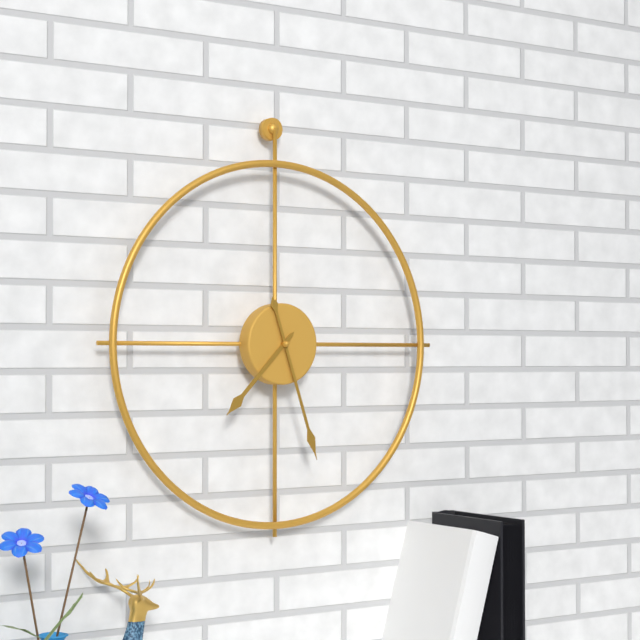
7:27
